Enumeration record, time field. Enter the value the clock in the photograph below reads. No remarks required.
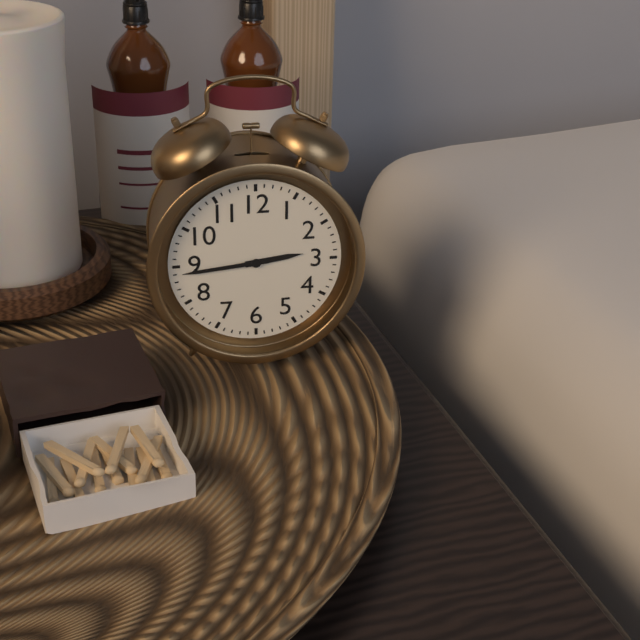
2:44
